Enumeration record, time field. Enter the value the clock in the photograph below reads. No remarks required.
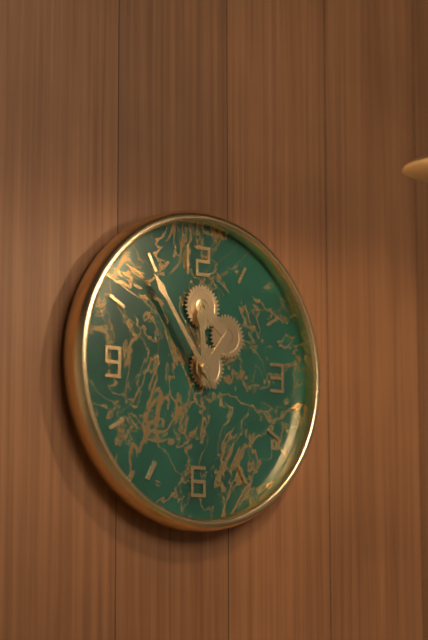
11:54
